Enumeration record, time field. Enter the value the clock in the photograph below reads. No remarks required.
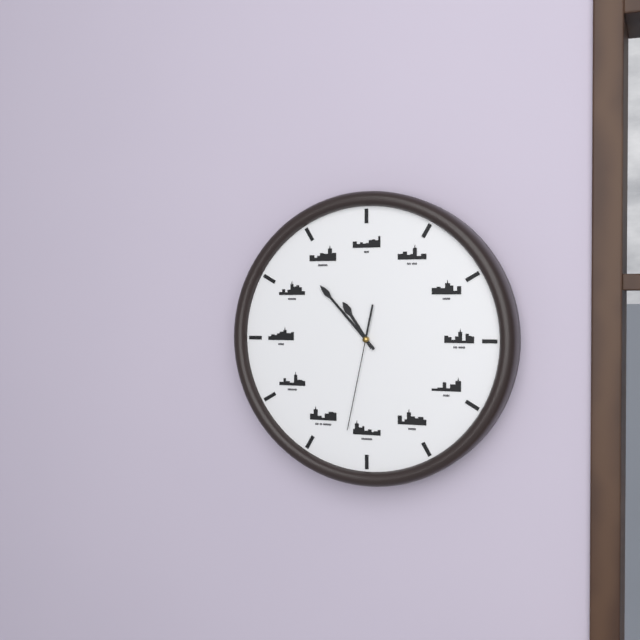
10:53:32
